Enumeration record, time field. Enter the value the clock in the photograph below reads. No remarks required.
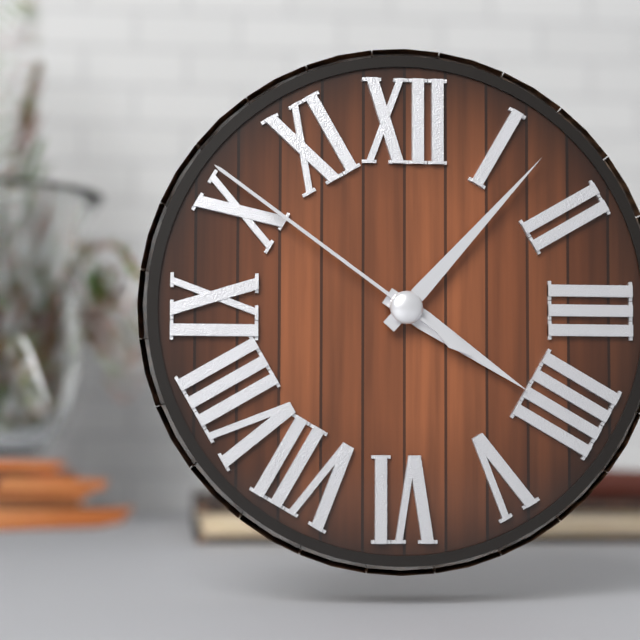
4:07:51
